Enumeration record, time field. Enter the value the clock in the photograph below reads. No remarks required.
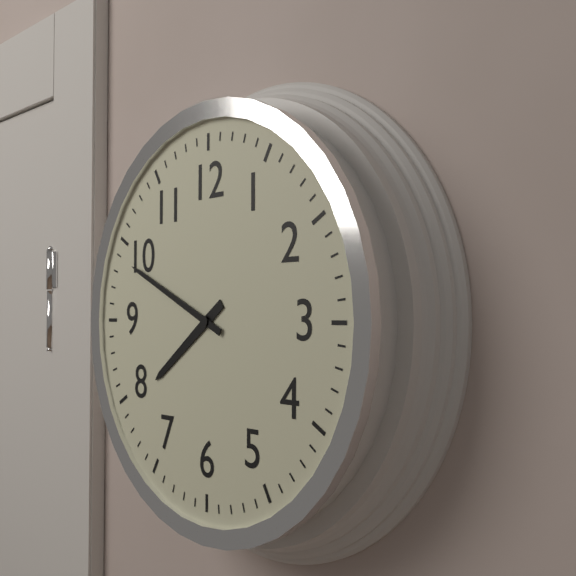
7:49
